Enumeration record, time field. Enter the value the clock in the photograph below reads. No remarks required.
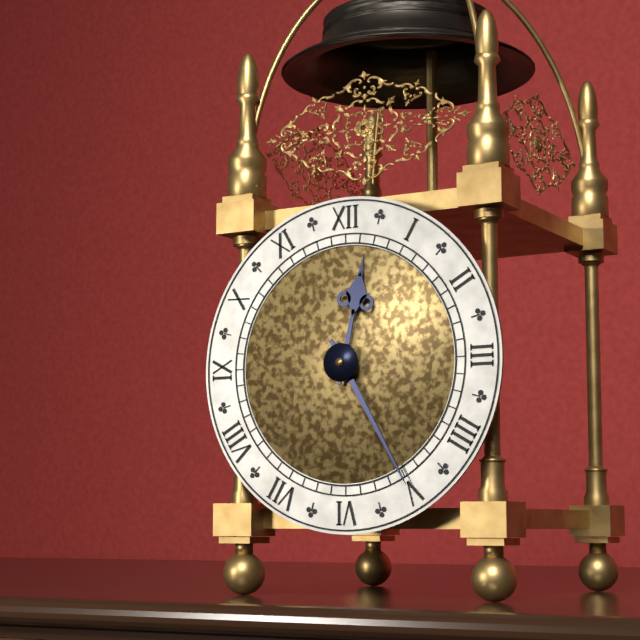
12:25
